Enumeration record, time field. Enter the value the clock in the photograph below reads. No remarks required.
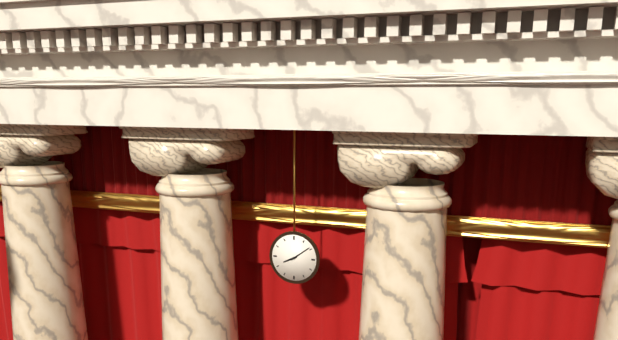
8:09
